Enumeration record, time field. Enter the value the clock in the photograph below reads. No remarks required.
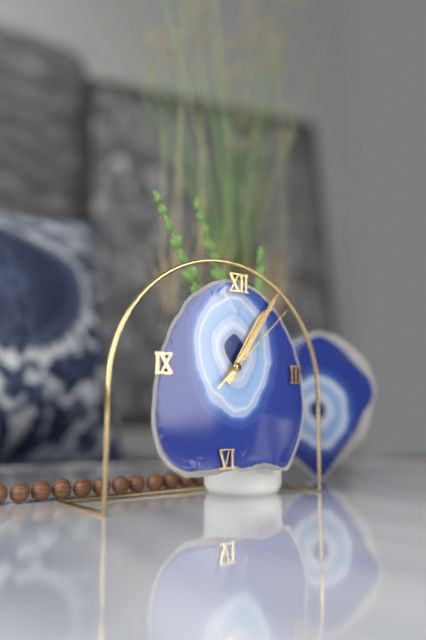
1:06:08
